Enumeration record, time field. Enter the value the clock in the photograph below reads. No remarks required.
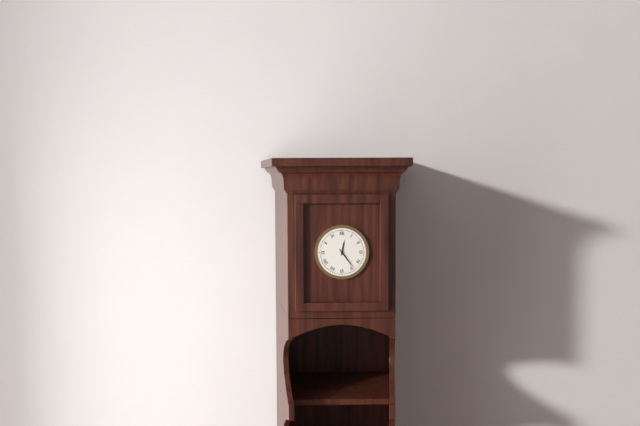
12:24
